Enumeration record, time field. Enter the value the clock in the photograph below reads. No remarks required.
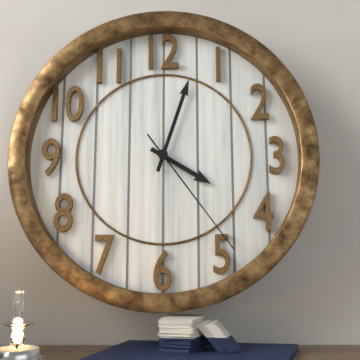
4:03:24
